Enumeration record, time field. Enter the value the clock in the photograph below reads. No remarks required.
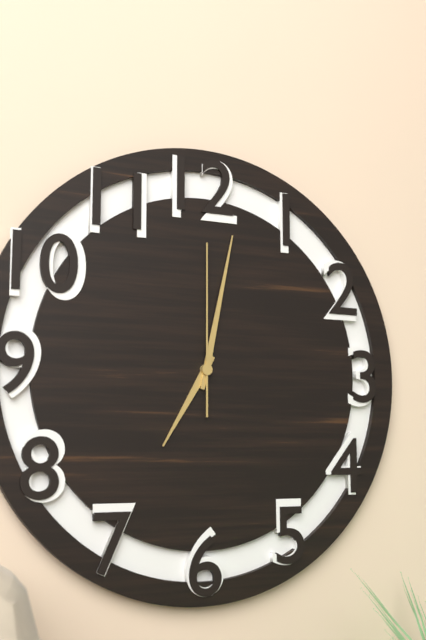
7:02:00
